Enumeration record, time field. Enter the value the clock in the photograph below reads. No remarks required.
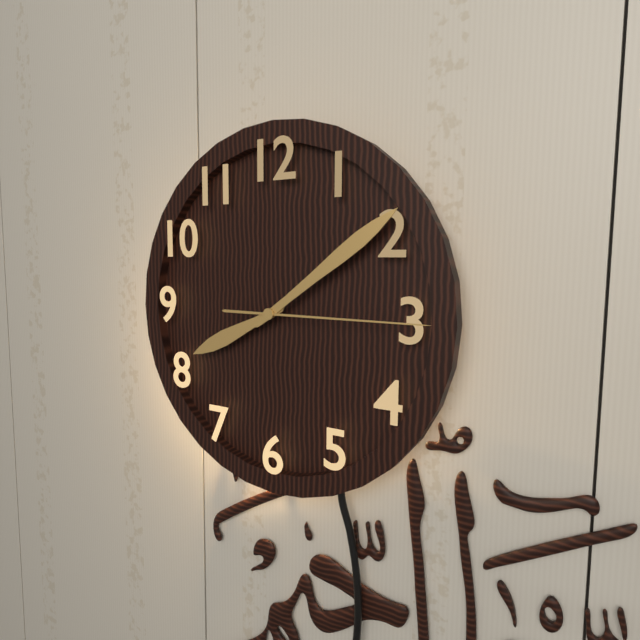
8:09:15
